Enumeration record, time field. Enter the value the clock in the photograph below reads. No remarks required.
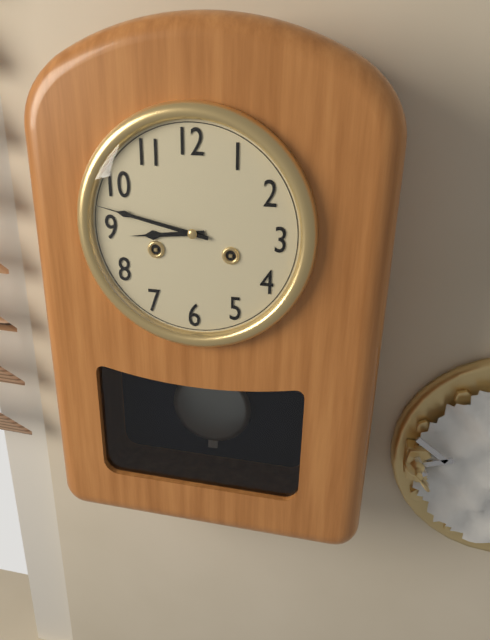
8:47
